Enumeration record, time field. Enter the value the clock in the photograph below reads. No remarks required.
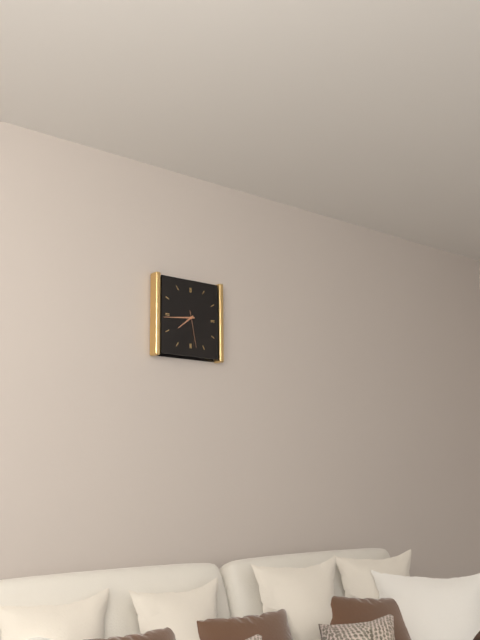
7:44
